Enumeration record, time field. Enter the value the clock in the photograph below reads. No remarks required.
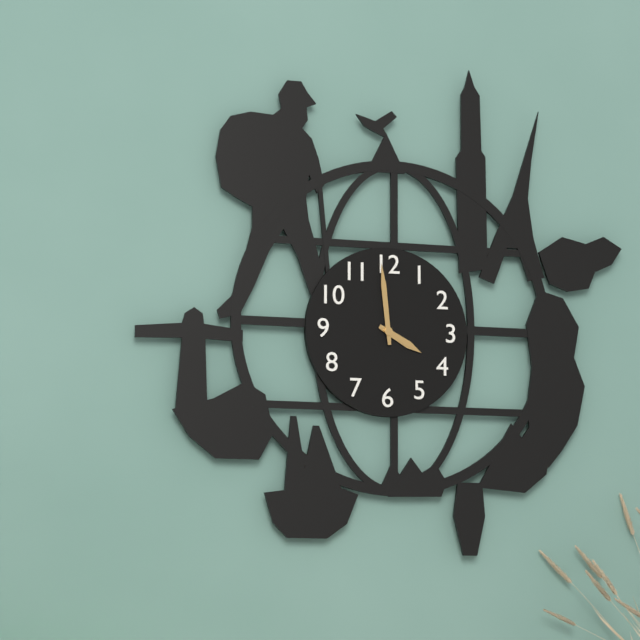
3:59
